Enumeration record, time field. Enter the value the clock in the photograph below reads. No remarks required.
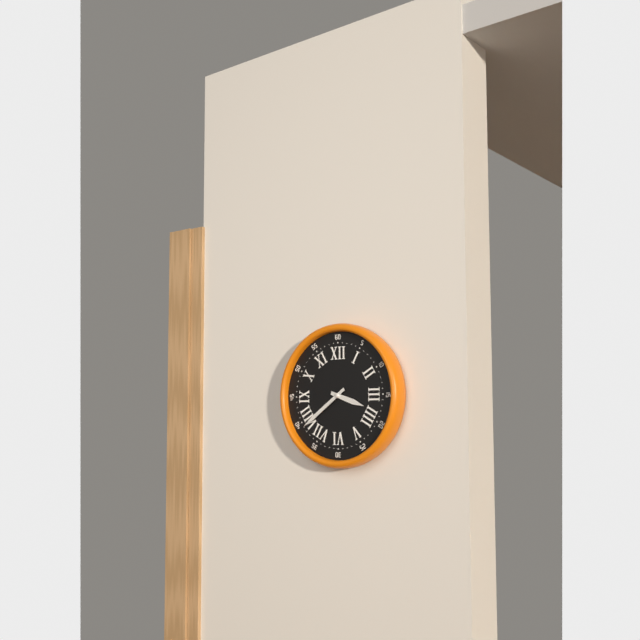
3:39
